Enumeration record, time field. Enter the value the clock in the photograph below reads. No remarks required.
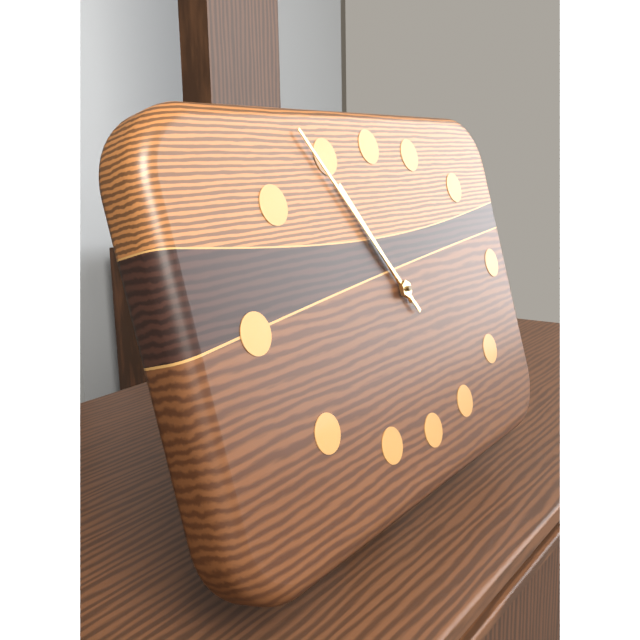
10:54
